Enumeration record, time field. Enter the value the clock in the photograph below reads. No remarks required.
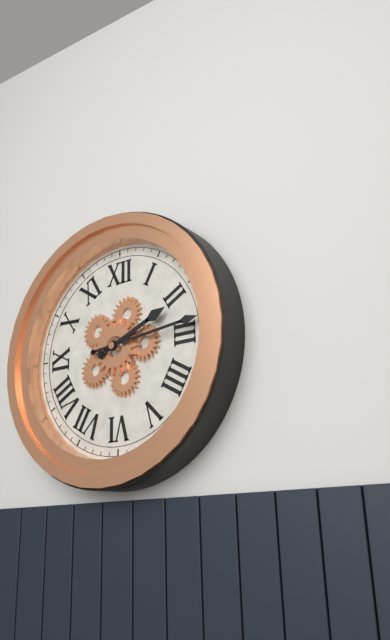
2:14
